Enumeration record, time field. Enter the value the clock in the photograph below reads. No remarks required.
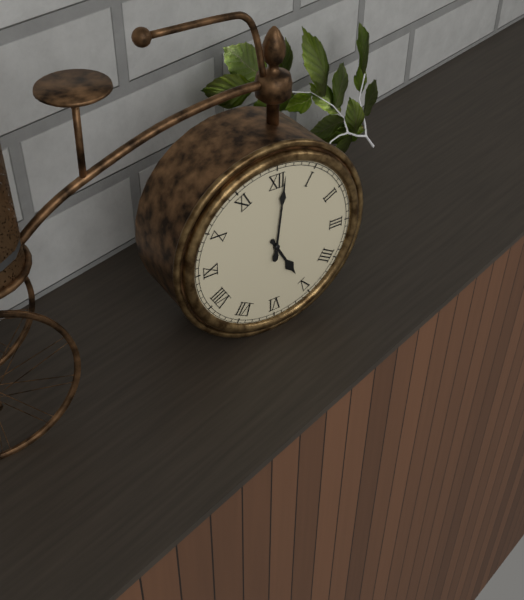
5:01
